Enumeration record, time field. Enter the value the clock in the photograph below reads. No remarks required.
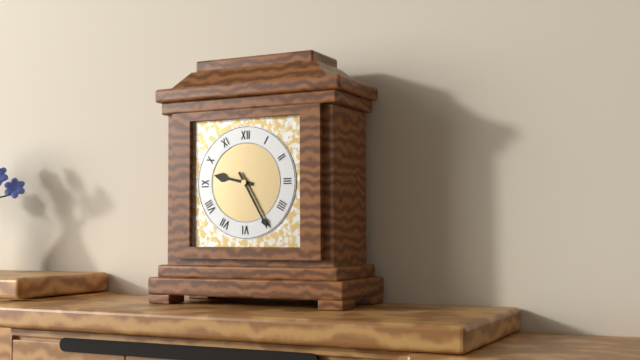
9:25
